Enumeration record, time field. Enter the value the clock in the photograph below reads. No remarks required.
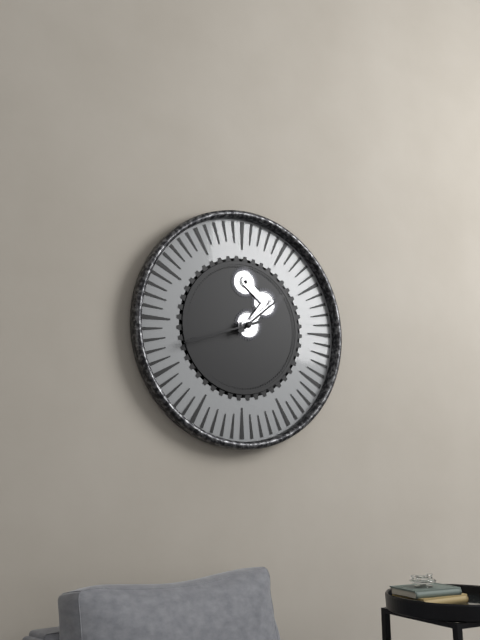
1:42
